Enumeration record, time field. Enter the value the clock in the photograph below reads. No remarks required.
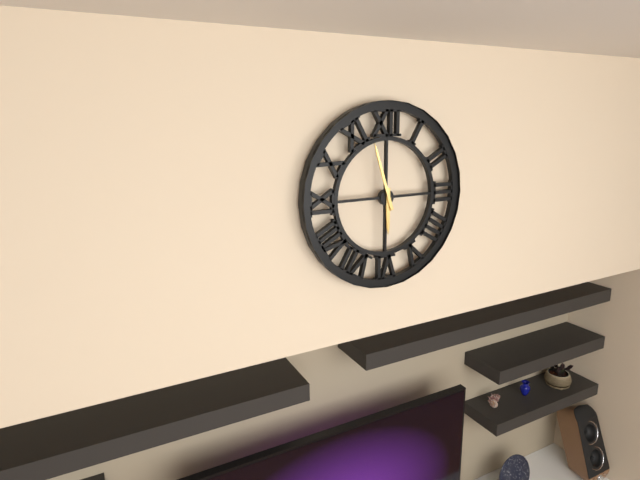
5:57
